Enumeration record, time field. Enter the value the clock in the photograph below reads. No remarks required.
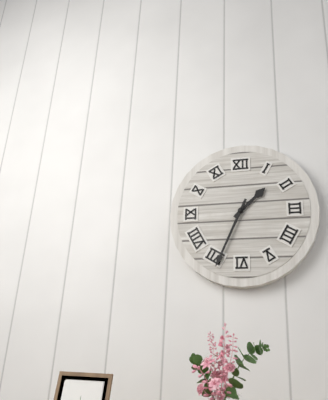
1:34
